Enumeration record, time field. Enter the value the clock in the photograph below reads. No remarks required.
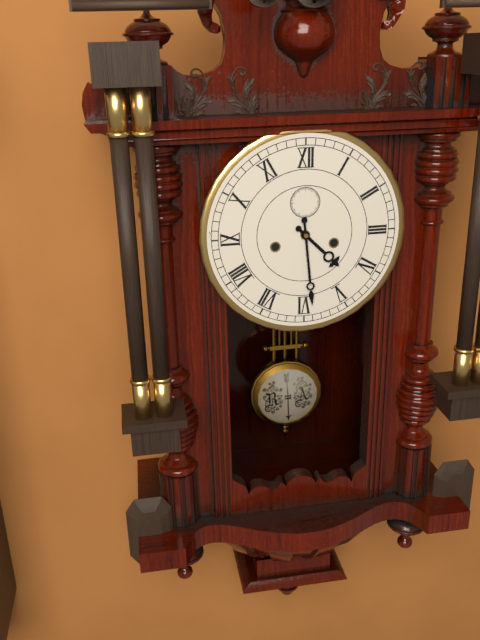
4:29
